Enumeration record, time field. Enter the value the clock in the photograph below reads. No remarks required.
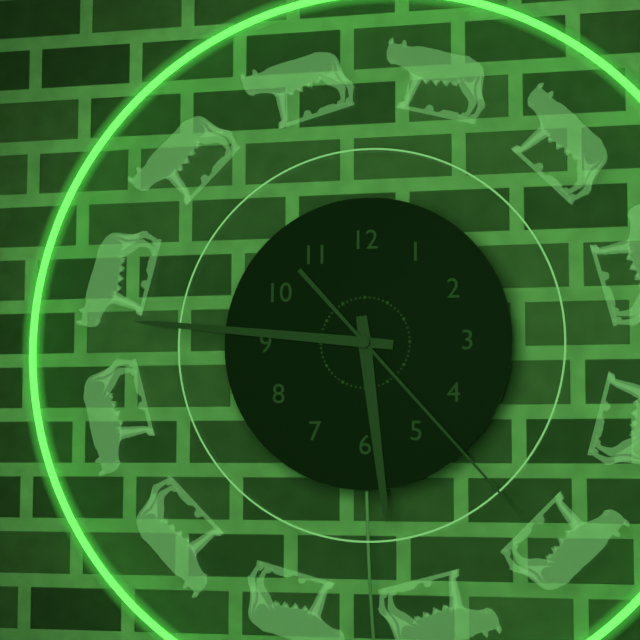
5:46:23
